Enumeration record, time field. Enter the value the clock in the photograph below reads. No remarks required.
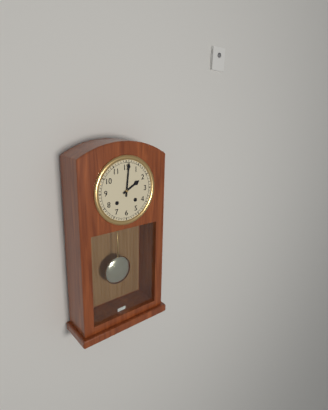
2:01
